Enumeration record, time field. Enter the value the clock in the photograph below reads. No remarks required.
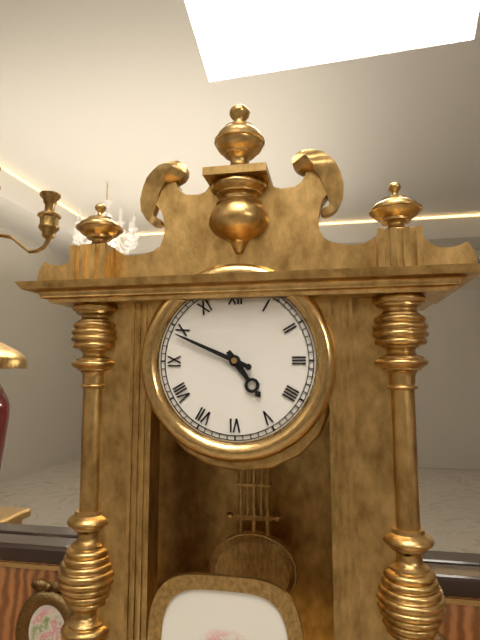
4:49
